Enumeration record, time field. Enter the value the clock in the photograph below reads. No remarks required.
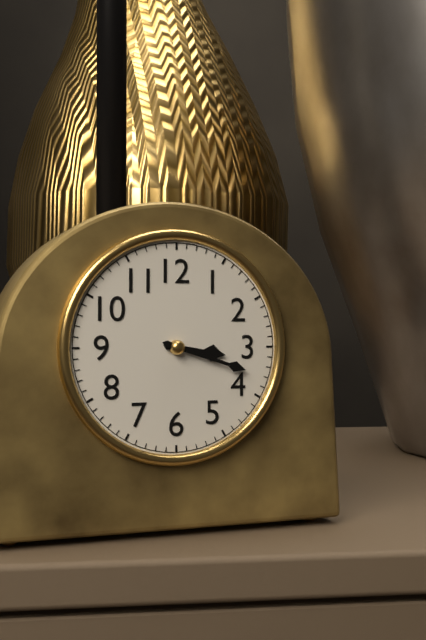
3:18
